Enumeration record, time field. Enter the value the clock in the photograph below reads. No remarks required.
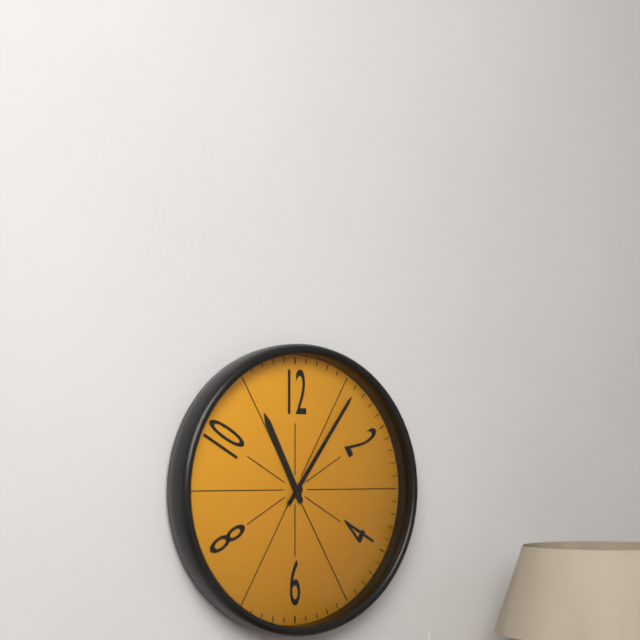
11:06
